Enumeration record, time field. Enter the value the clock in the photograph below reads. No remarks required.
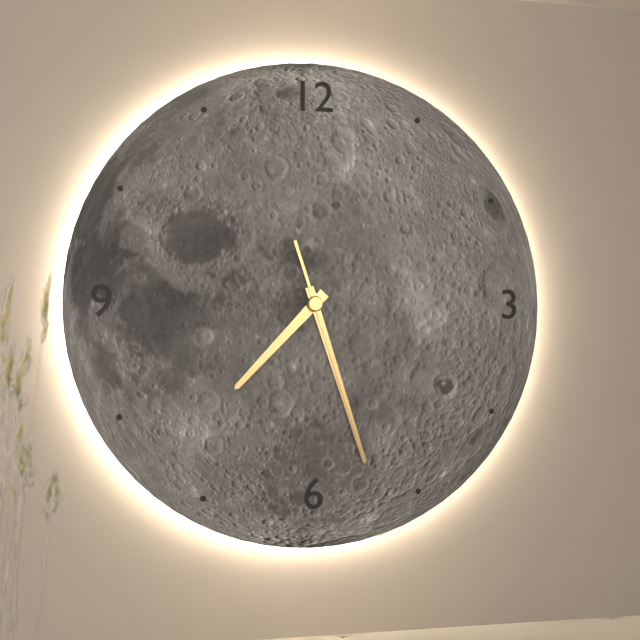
7:27:27
